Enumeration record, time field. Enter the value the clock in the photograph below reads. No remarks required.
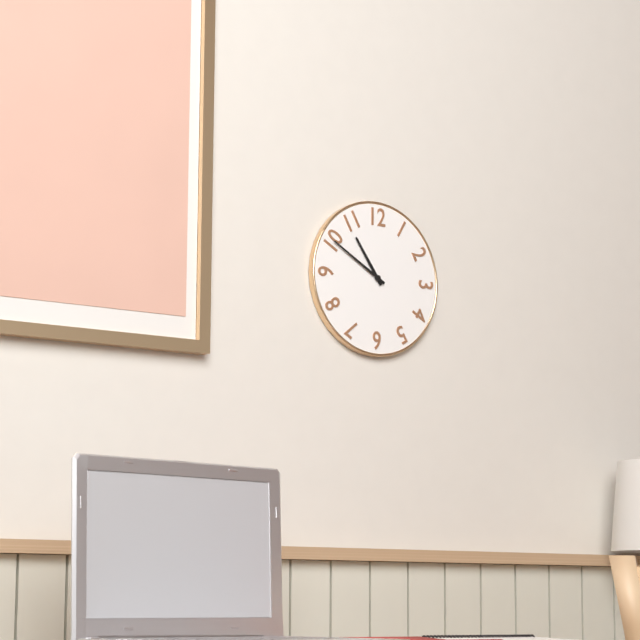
10:50
